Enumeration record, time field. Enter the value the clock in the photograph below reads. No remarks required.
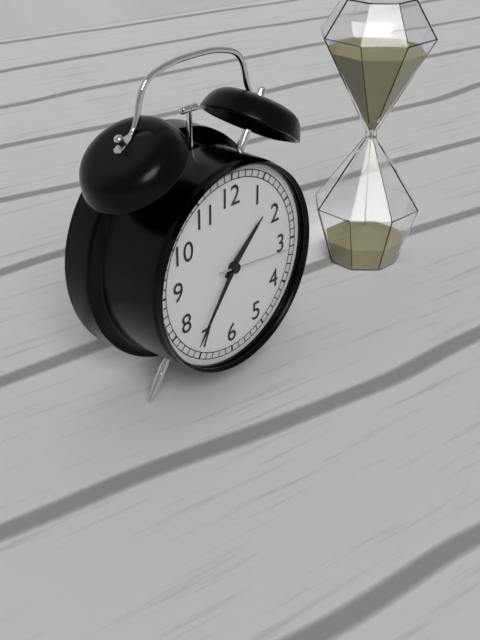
1:36:16
